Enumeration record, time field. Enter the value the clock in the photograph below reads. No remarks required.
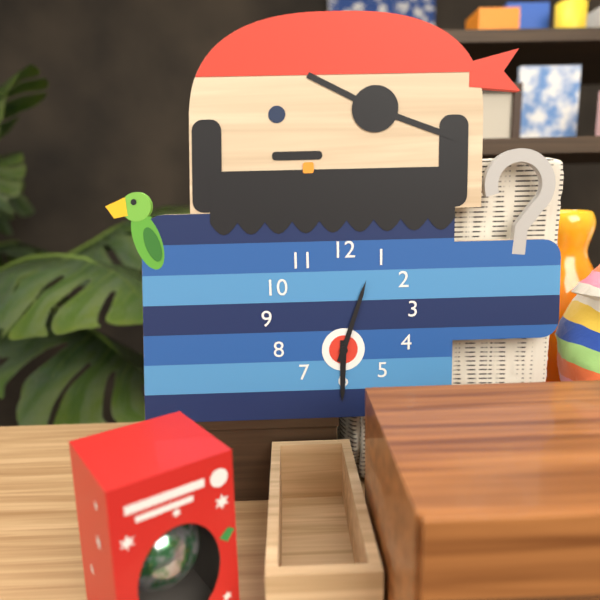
6:03
